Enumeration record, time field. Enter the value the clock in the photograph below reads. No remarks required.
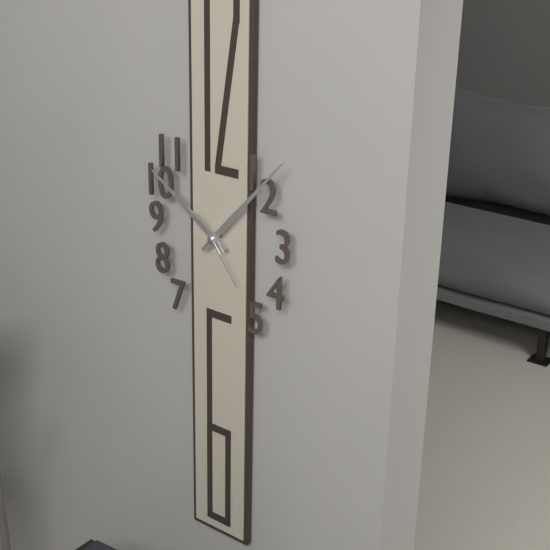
10:07:24
